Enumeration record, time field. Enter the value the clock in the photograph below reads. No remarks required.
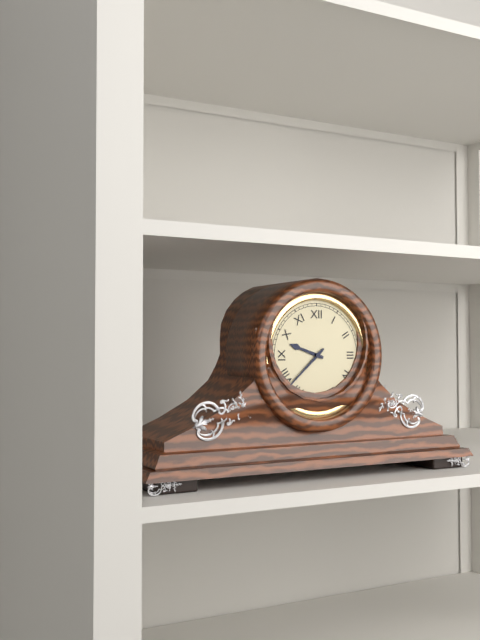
9:38
